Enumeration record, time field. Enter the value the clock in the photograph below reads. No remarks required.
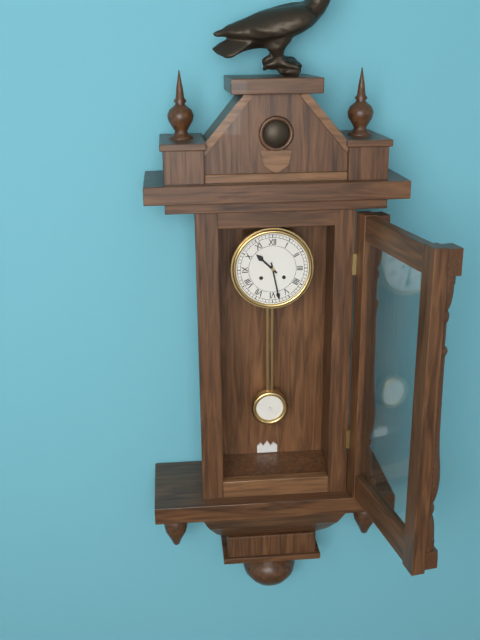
10:28
